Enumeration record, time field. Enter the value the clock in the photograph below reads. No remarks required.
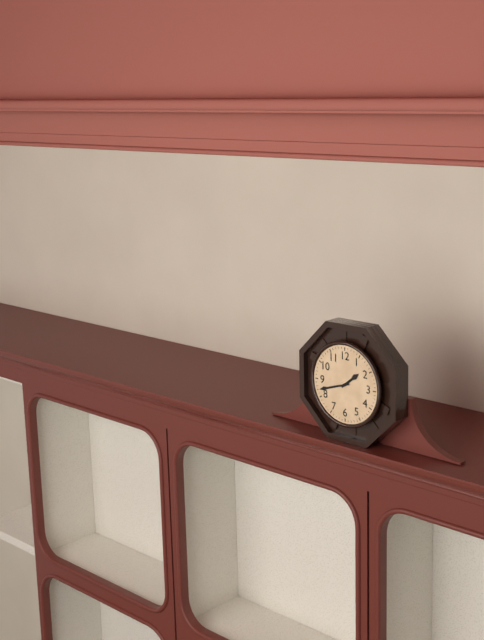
1:42
